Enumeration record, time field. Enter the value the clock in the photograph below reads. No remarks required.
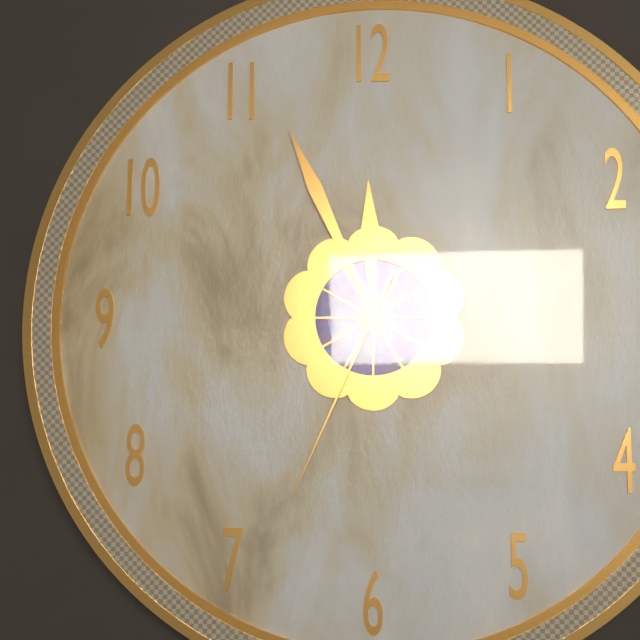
11:56:34
